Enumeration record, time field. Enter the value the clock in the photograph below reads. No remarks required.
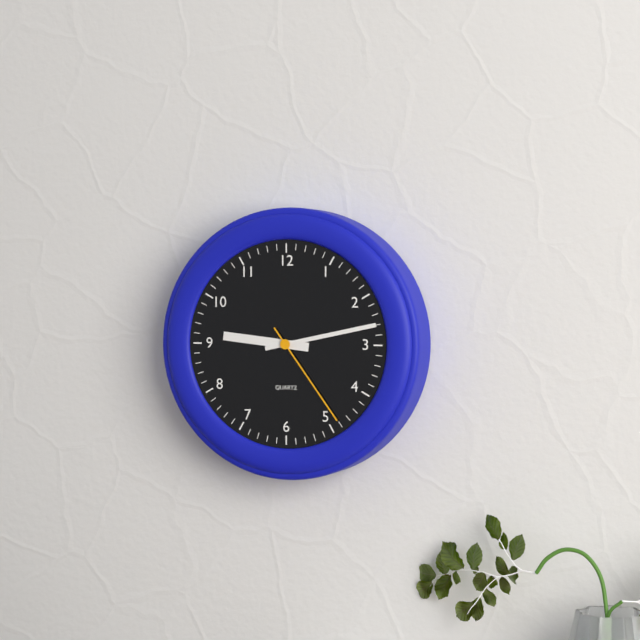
9:13:24
